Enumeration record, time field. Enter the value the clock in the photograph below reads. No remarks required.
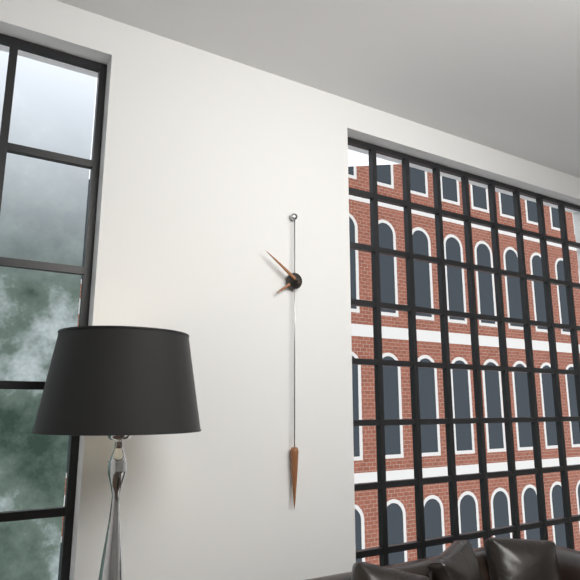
7:51
